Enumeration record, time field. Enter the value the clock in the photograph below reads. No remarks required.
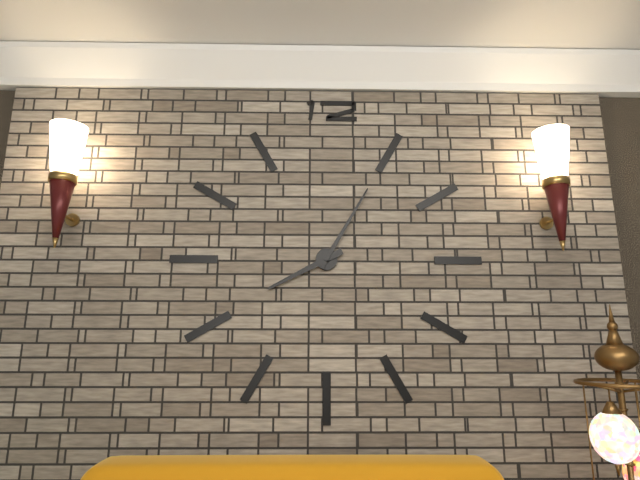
8:05
